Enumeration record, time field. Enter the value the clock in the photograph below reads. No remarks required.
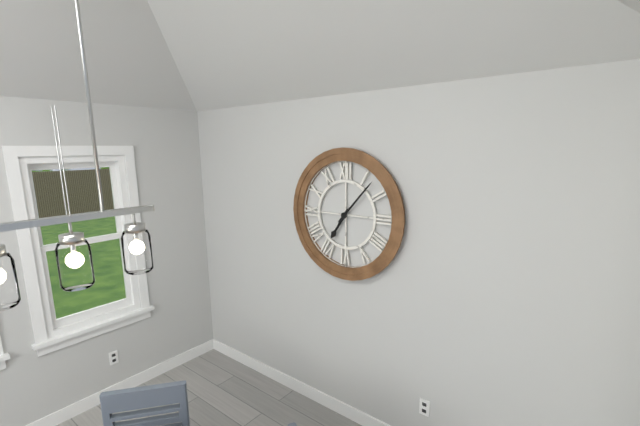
7:07
